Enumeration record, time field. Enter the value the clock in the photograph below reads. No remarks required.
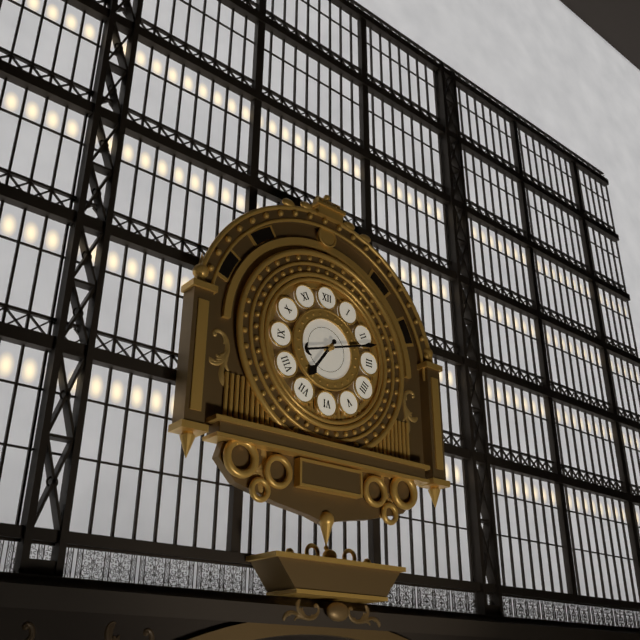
7:12
